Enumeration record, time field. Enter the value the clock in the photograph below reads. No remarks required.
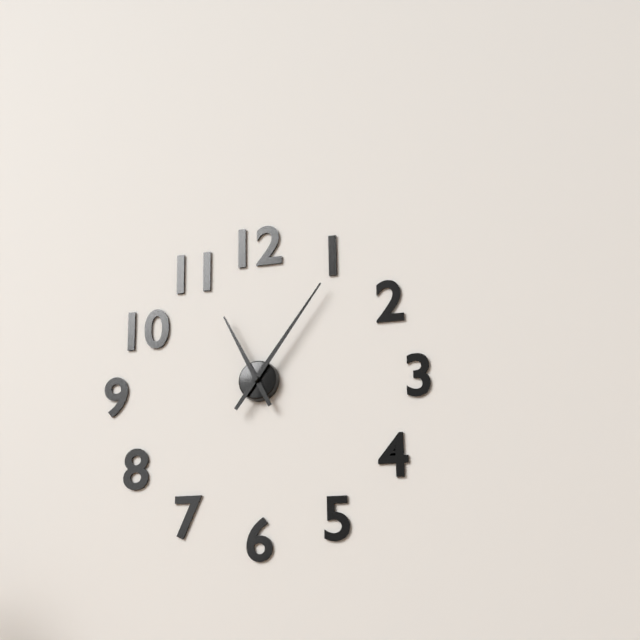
11:06
